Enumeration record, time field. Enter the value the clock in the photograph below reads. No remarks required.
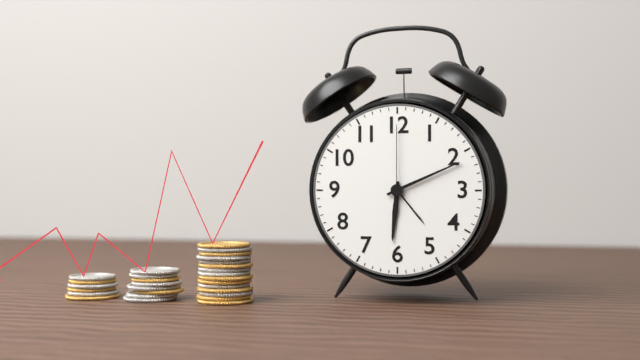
6:11:00
